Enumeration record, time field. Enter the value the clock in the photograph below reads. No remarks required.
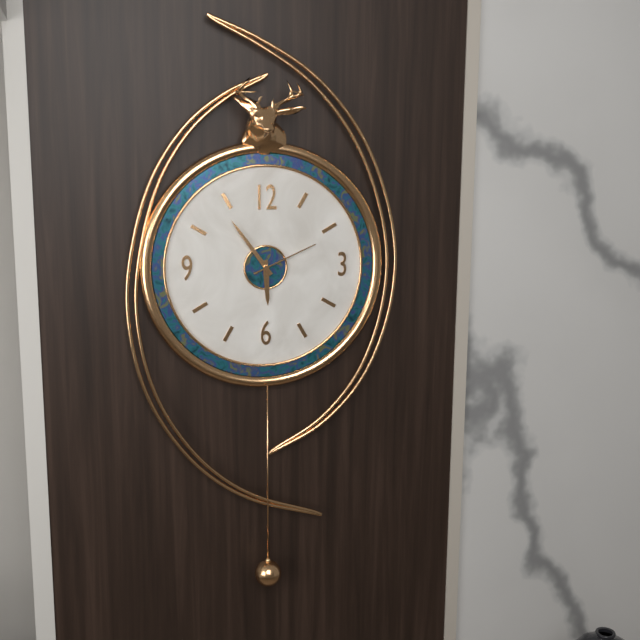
5:54:11
